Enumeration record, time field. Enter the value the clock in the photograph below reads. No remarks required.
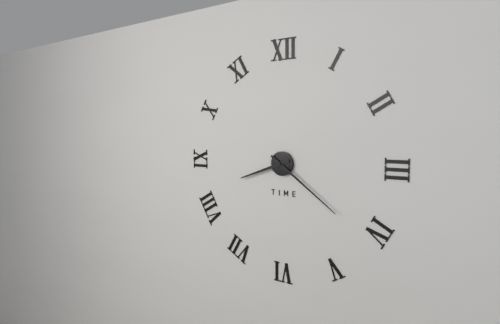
8:21
